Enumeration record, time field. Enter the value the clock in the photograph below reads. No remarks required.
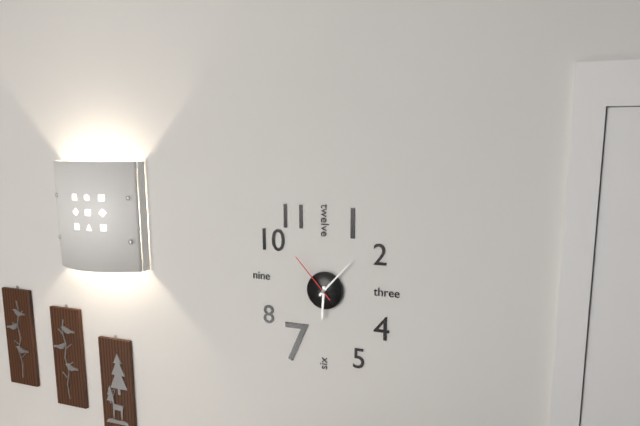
6:07:53
